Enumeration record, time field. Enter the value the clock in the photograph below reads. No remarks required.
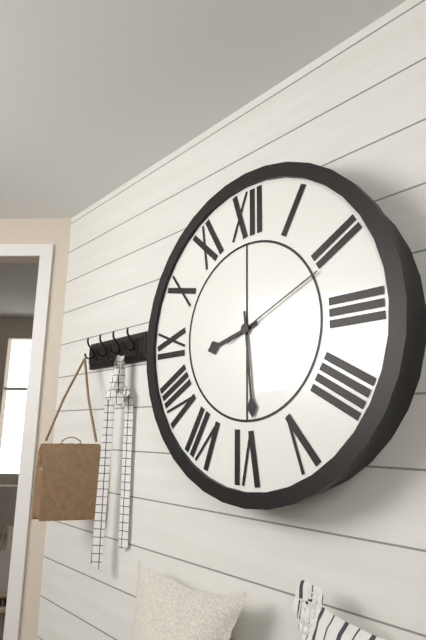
8:29:11
